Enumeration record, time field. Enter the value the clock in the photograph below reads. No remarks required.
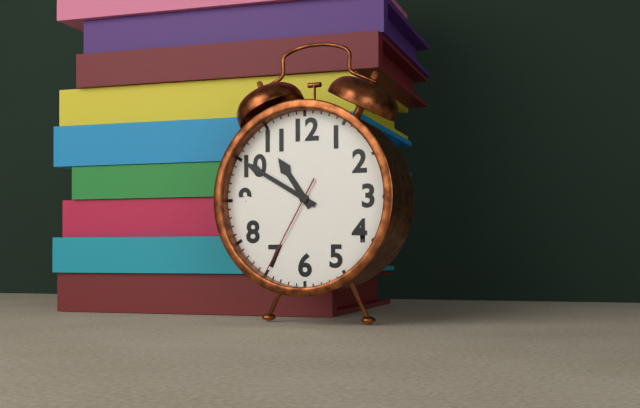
10:50:35
